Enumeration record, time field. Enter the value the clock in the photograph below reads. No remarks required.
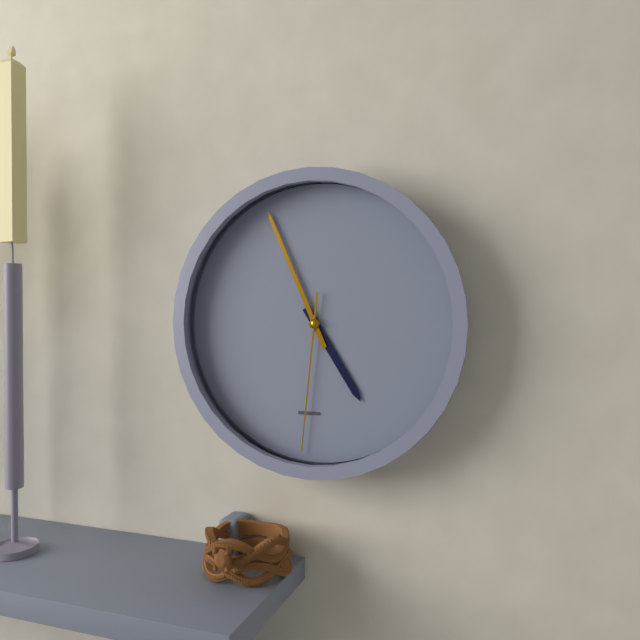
4:56:31
